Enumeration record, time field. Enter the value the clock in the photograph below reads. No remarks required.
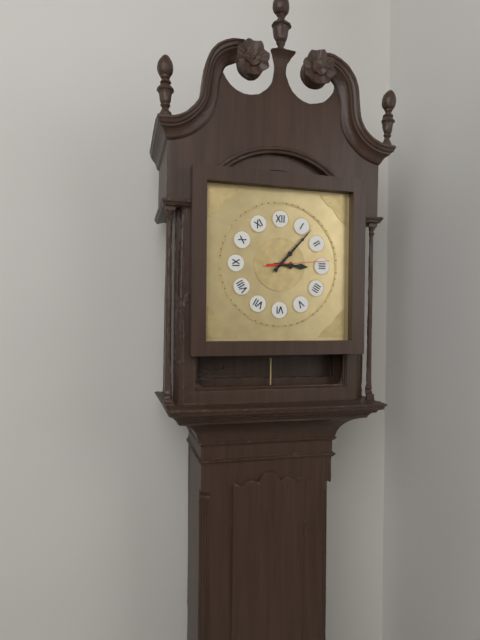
3:07:14
